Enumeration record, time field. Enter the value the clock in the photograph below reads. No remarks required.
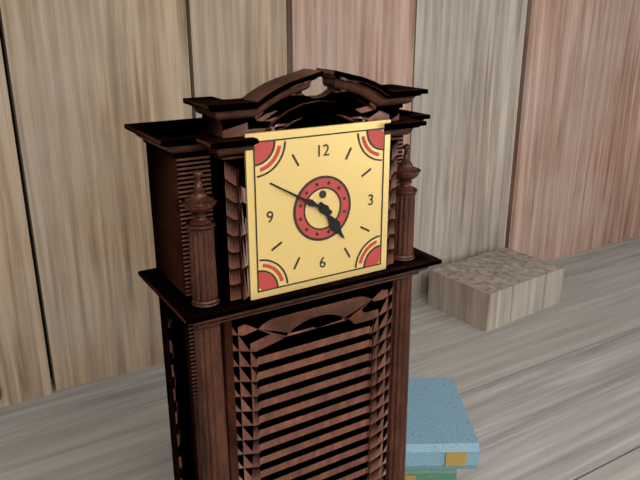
4:50
